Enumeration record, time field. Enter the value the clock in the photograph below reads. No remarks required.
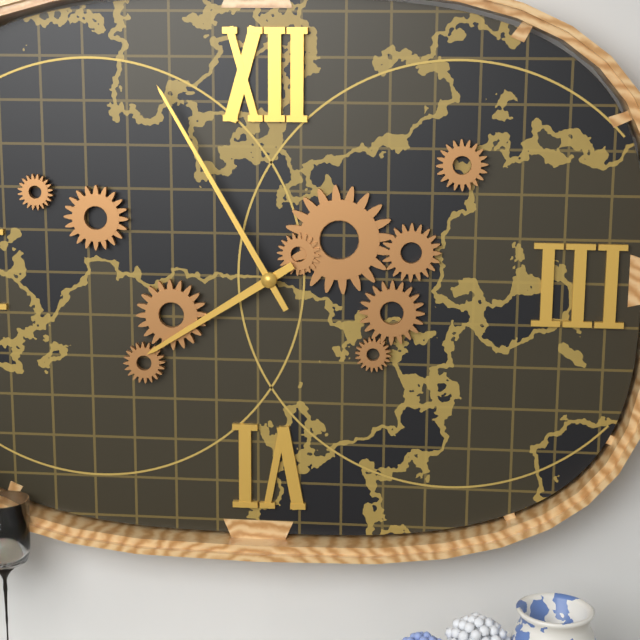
7:55
